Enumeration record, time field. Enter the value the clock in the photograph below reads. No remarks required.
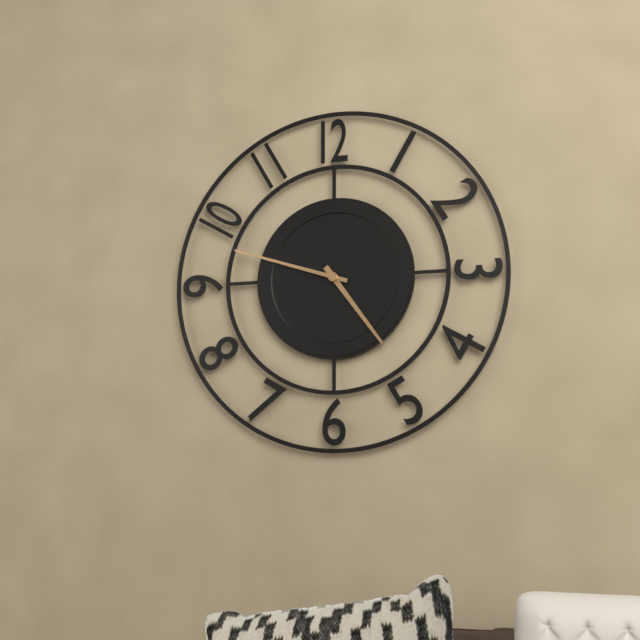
4:48
